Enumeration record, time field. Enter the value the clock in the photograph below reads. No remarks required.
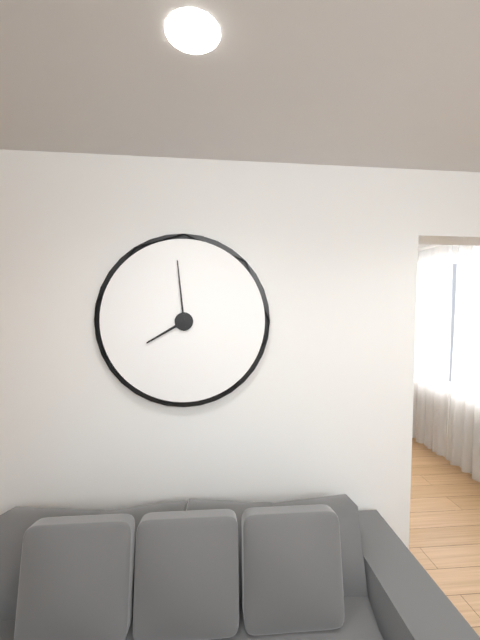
7:59
